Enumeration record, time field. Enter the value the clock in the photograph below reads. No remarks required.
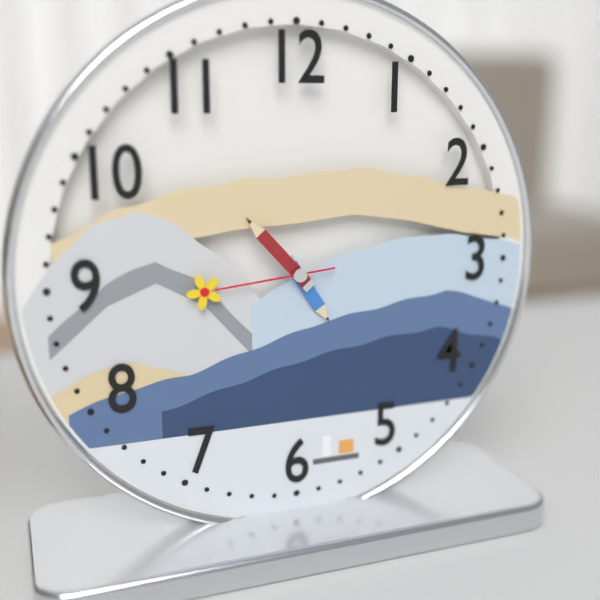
4:53:44
